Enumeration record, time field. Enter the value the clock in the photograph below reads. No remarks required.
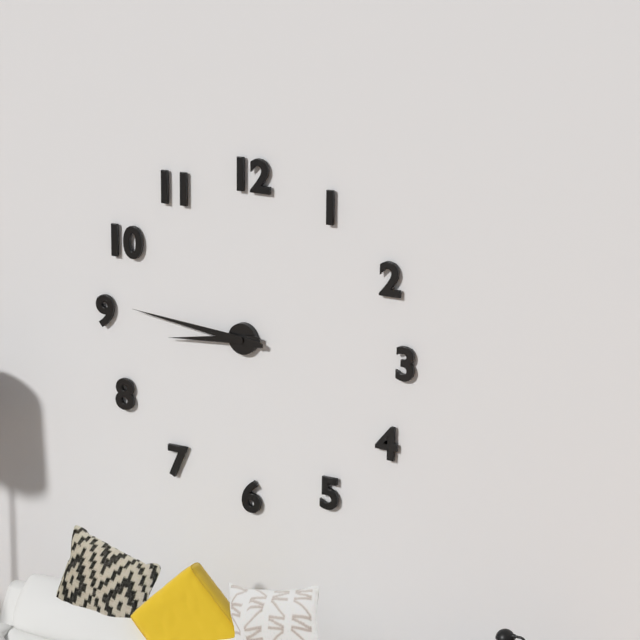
8:46
